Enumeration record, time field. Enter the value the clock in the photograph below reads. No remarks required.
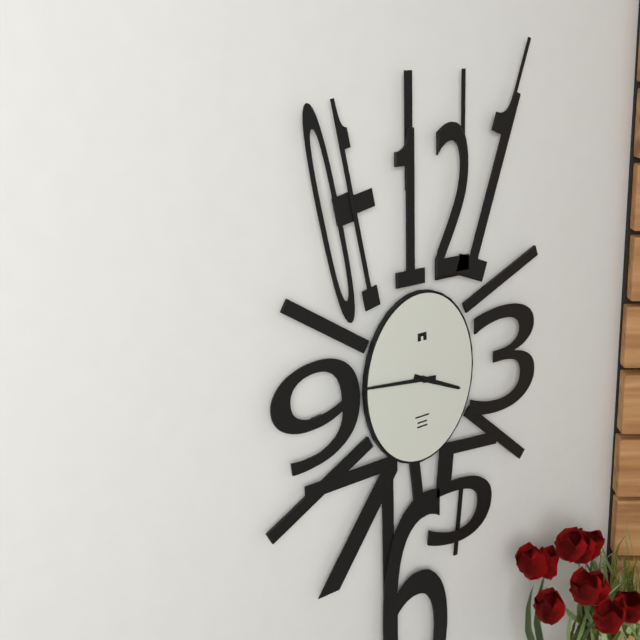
3:46
